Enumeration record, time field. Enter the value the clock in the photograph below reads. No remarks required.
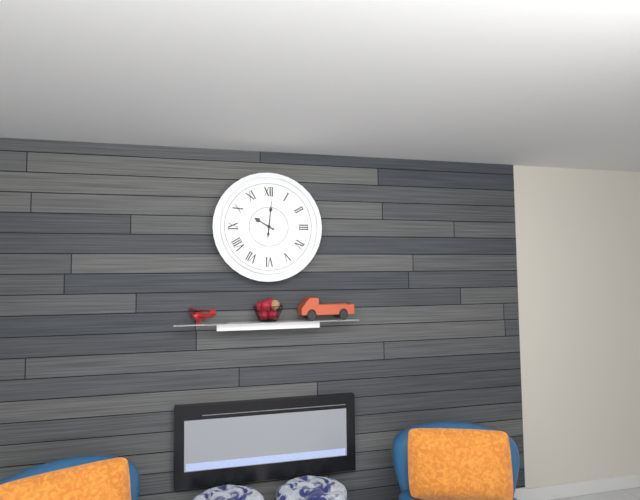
10:01
